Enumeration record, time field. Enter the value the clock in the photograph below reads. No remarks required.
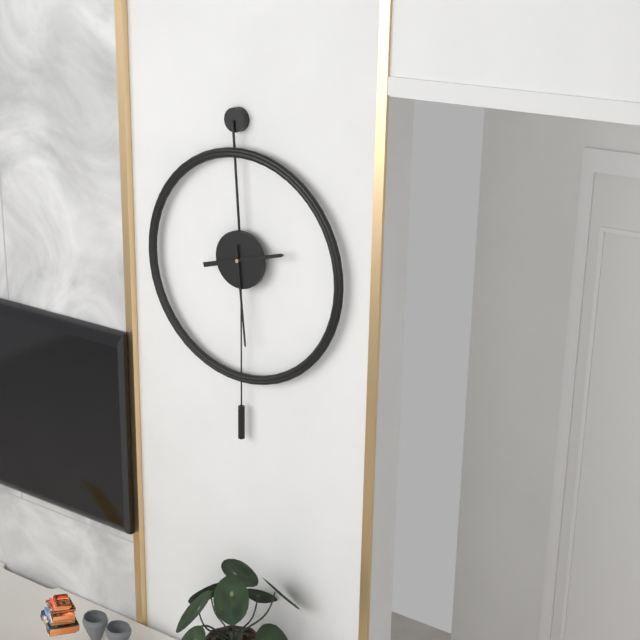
2:29
